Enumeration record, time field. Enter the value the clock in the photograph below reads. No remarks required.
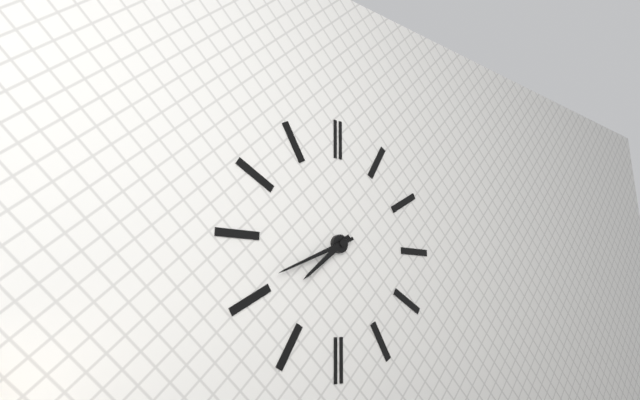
7:41
